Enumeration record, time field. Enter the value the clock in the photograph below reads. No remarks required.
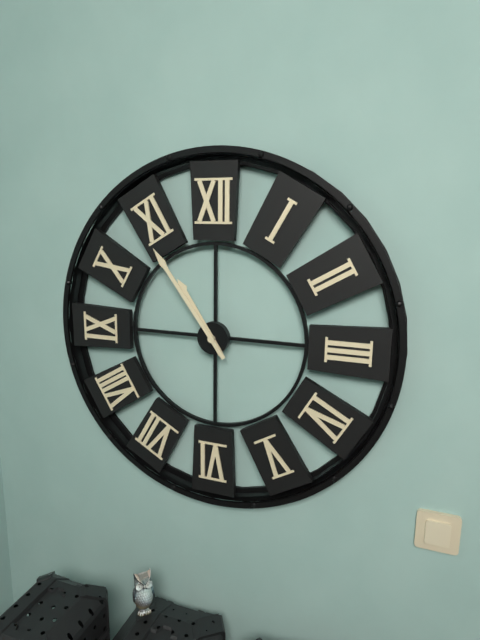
10:54
